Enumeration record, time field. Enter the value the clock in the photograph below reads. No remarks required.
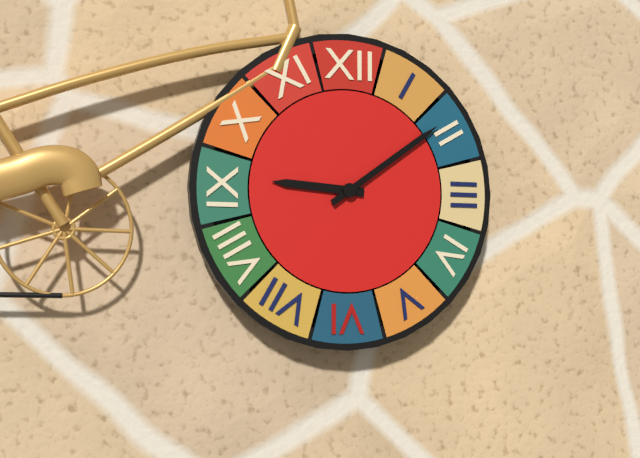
9:09
